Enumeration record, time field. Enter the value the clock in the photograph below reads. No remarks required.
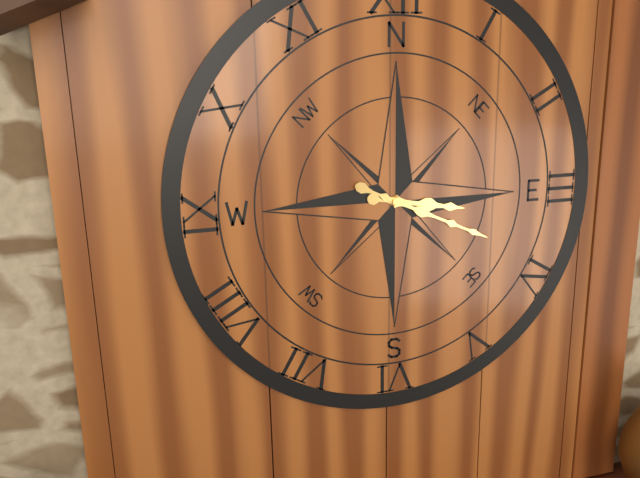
3:19
